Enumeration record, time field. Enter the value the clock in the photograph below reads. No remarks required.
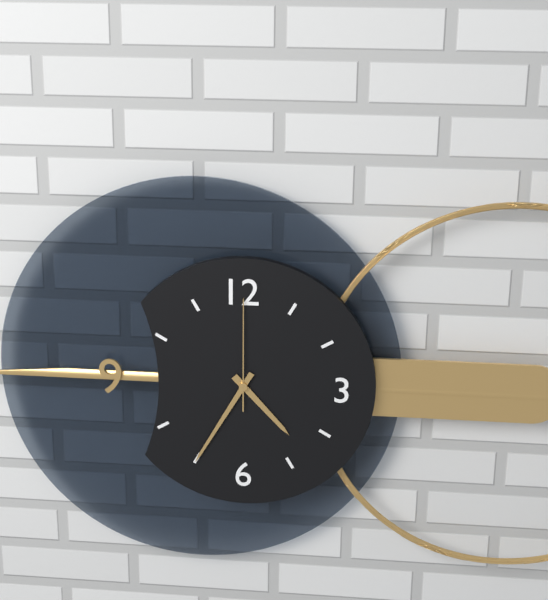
4:35:00
